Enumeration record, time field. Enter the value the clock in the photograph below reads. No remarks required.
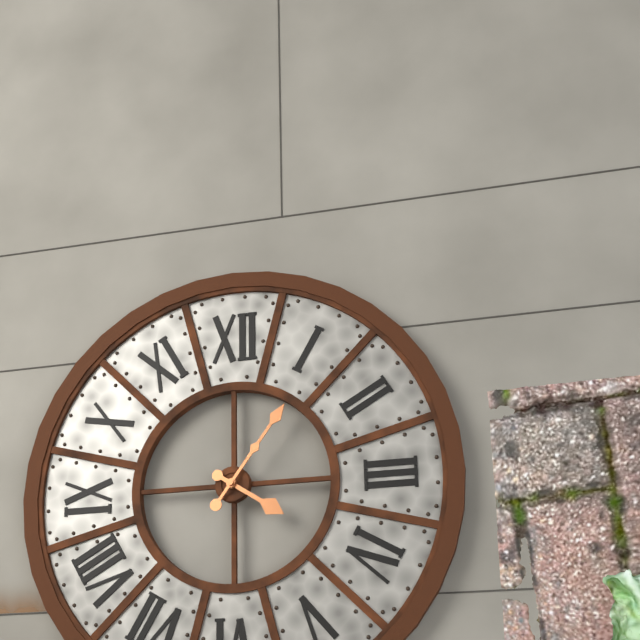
4:06
